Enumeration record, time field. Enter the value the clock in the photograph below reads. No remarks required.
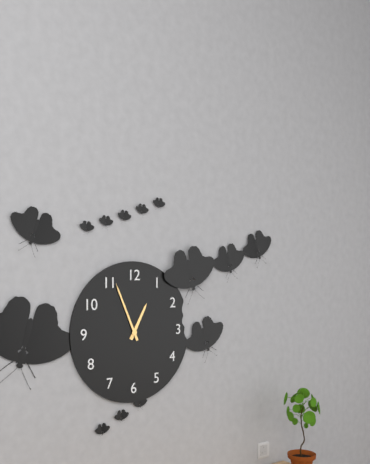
12:56
